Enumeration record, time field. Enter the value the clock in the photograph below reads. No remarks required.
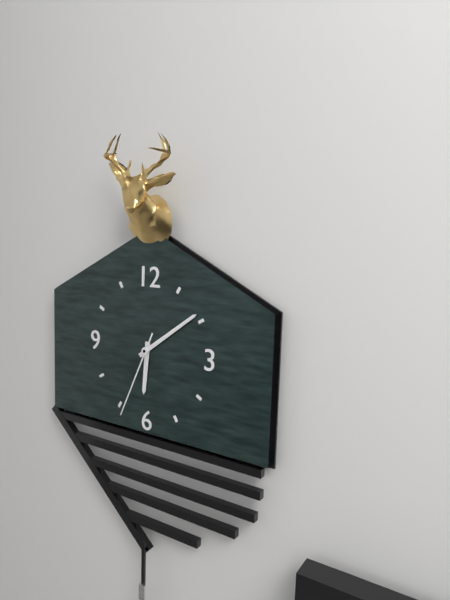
6:09:34
